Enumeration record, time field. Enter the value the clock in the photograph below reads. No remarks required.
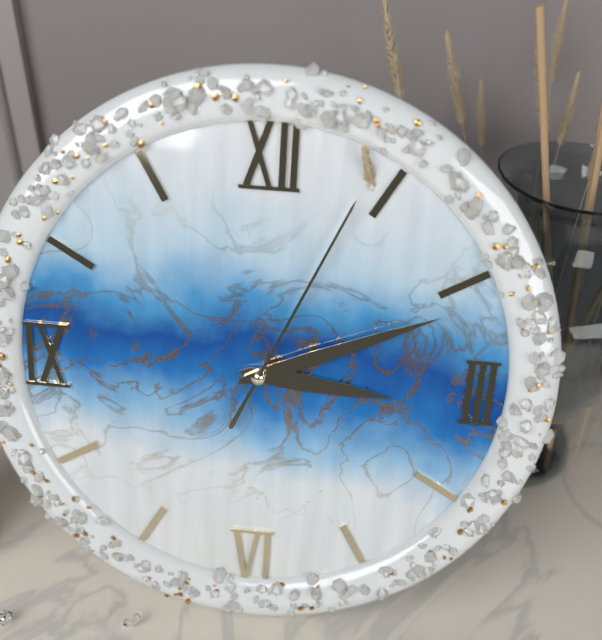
3:11:04
